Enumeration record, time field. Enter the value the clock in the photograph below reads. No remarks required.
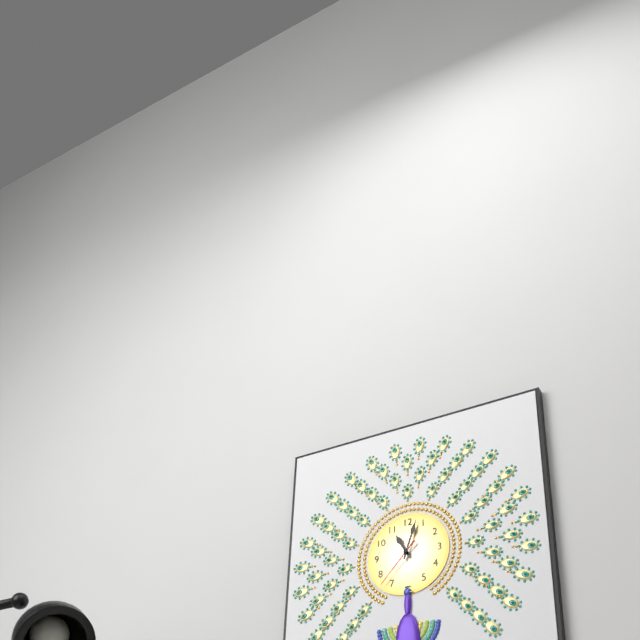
11:03:37
